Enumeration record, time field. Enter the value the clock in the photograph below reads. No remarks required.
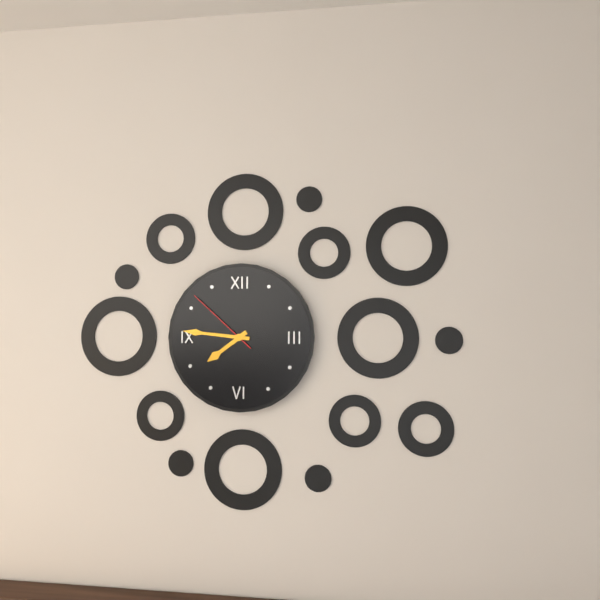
7:46:52
